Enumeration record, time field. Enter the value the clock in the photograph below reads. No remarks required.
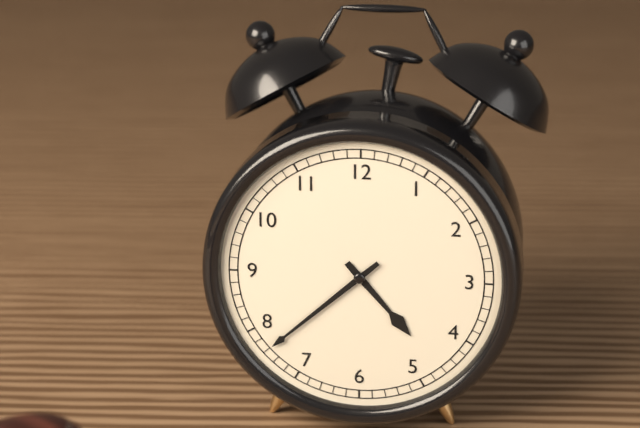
4:38
